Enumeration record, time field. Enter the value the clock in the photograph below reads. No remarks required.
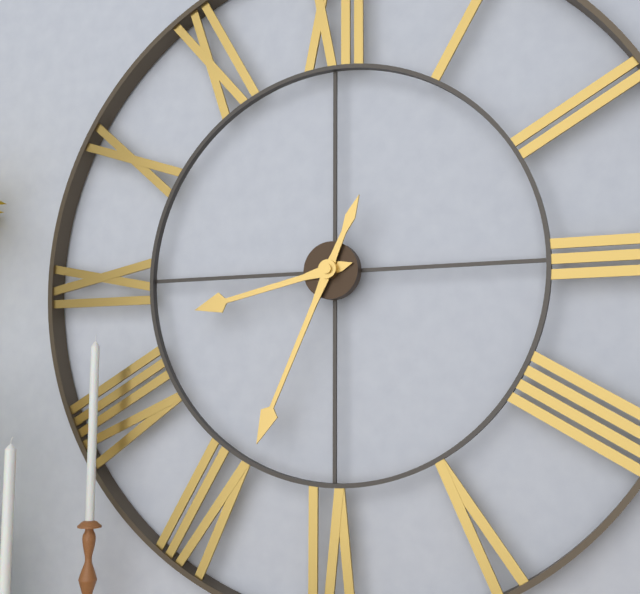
8:34
